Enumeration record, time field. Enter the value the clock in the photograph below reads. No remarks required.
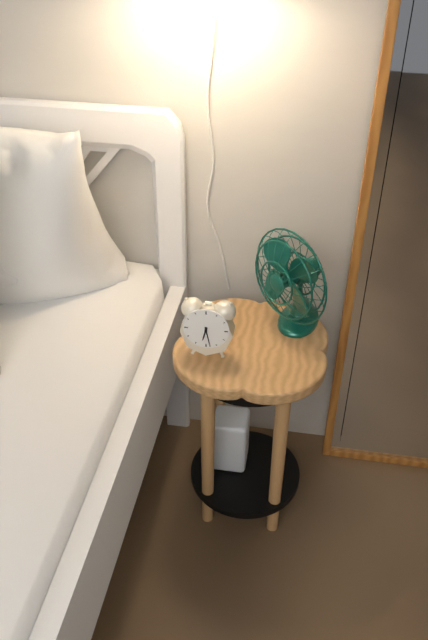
6:28
